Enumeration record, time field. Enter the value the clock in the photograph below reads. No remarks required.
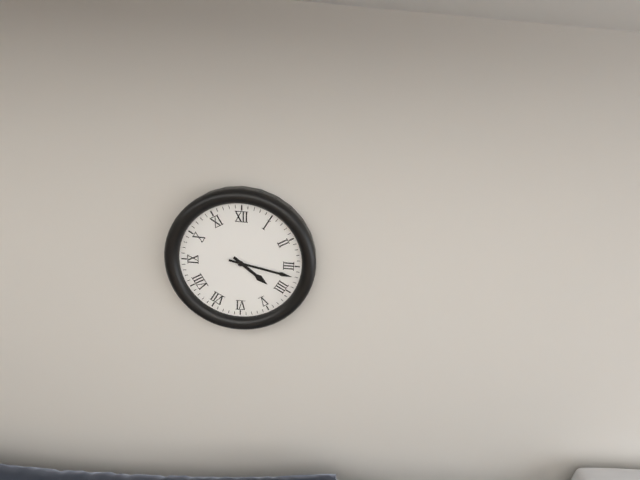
4:17
